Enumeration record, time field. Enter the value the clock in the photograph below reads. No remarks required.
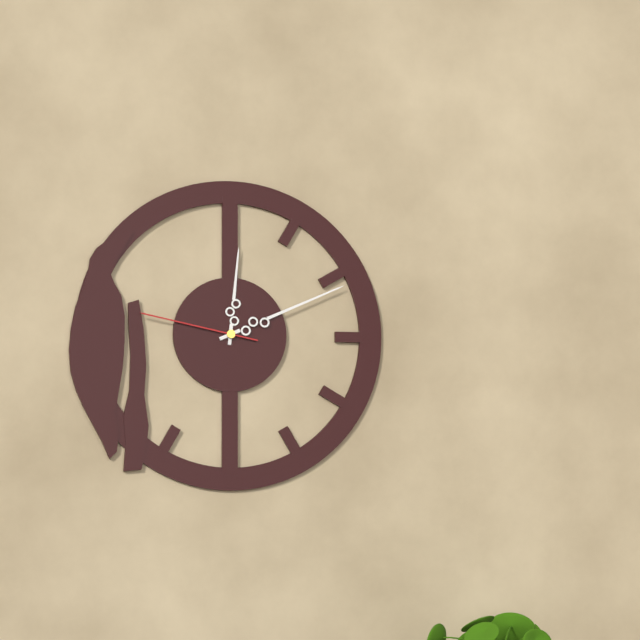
12:11:47
